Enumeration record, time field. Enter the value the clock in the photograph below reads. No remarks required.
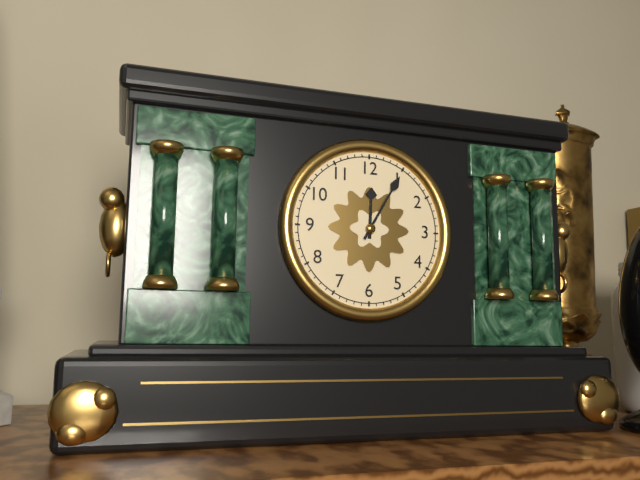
12:05
